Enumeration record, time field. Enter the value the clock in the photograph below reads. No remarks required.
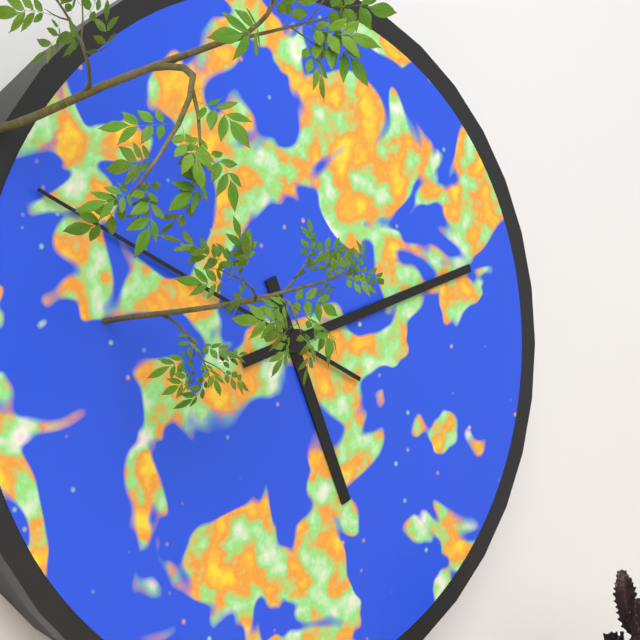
5:12:49
